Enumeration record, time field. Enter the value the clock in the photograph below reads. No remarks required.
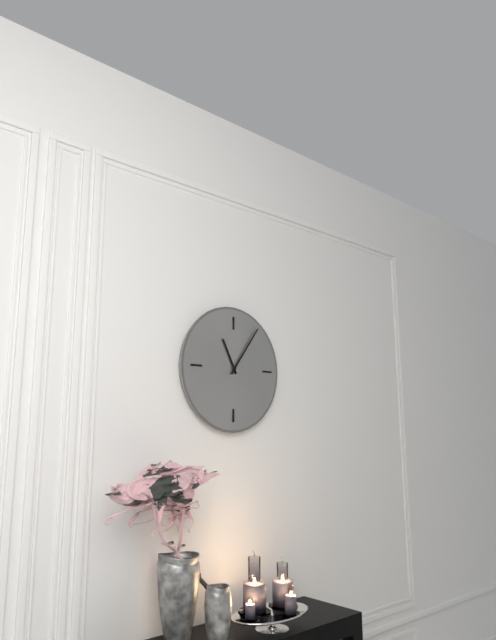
11:06
